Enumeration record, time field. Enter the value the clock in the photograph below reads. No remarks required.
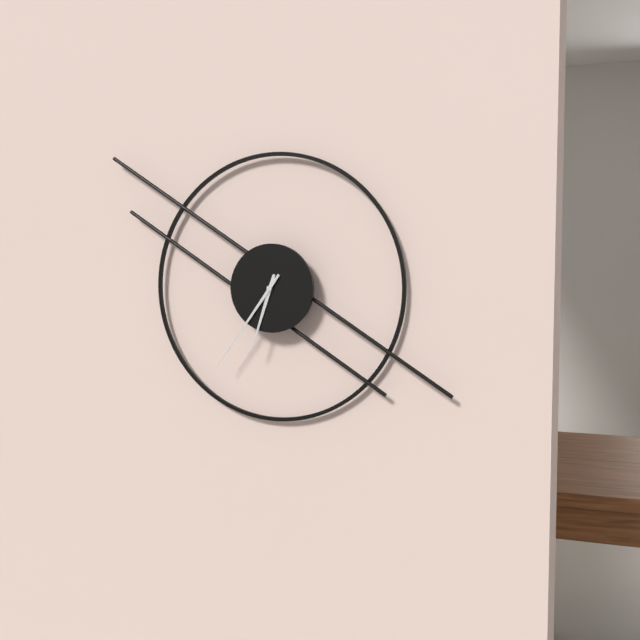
6:36
